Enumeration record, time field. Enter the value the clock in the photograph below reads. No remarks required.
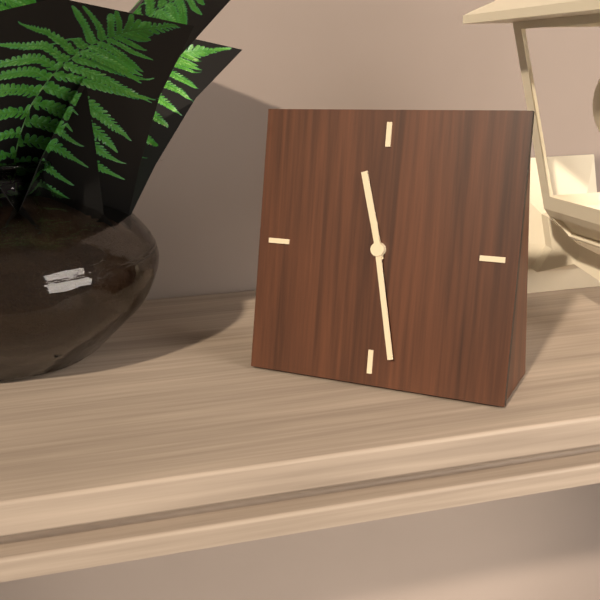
11:28
